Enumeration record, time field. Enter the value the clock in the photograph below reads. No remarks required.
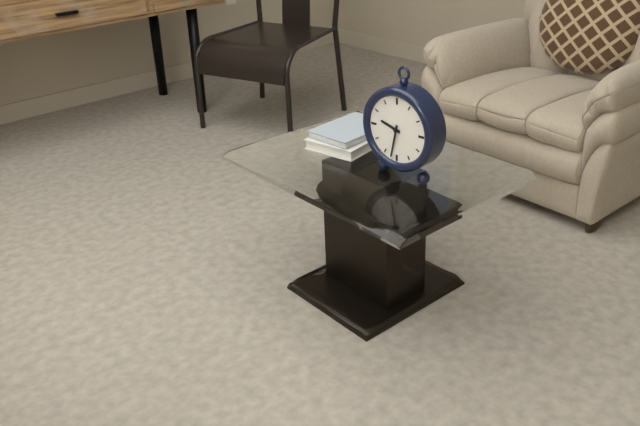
9:32
